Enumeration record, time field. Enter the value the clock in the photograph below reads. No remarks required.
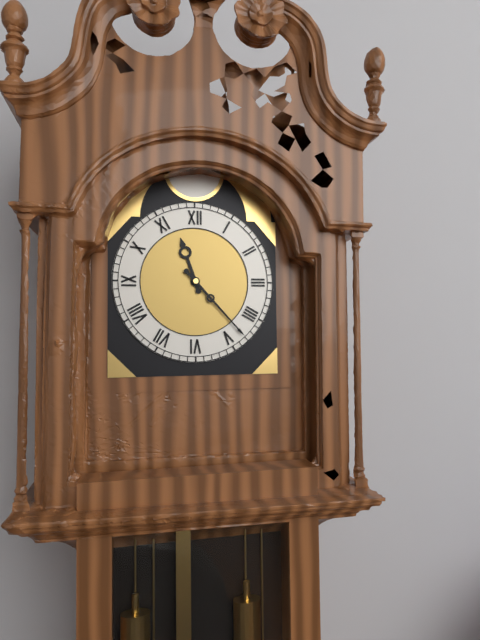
11:23
